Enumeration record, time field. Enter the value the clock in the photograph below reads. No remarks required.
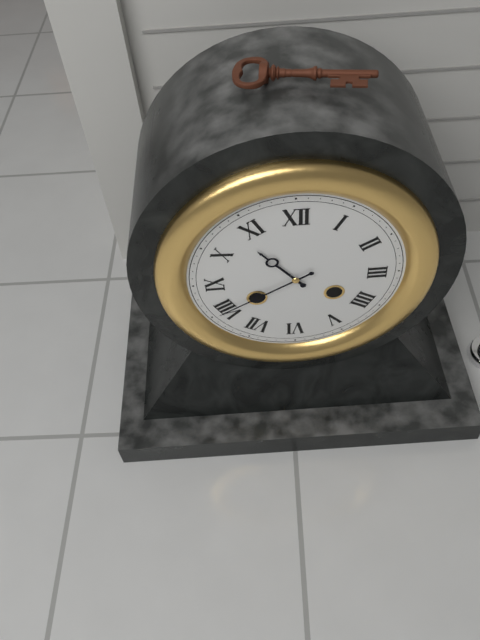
10:40
